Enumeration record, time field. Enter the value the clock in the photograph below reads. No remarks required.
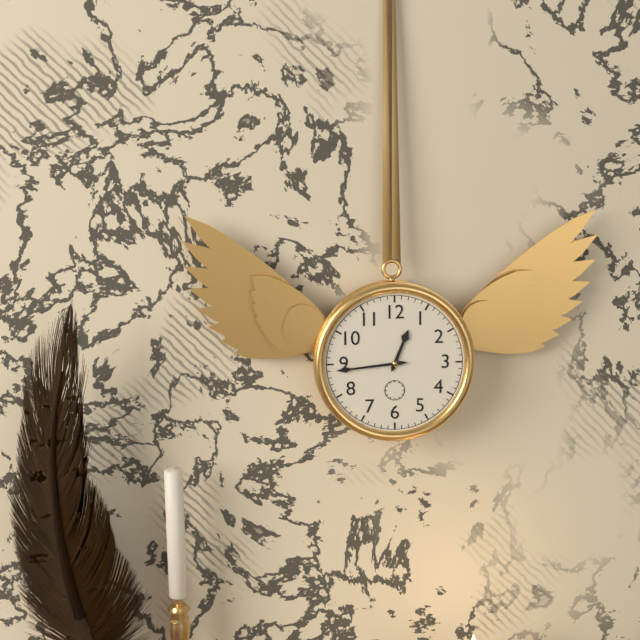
12:44
